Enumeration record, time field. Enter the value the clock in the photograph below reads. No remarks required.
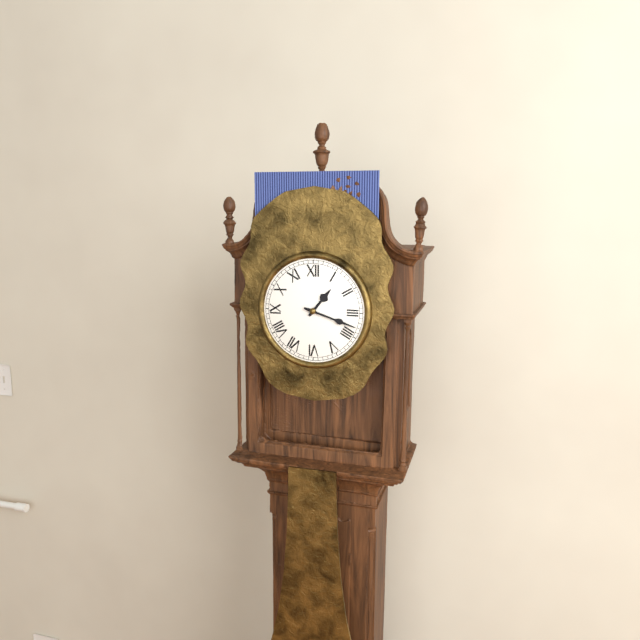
1:18
